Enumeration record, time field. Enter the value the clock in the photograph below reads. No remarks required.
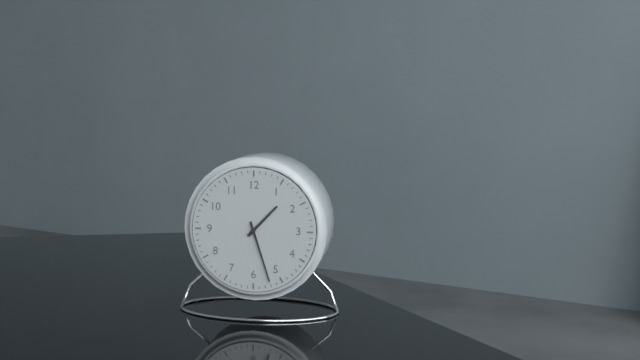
1:27
